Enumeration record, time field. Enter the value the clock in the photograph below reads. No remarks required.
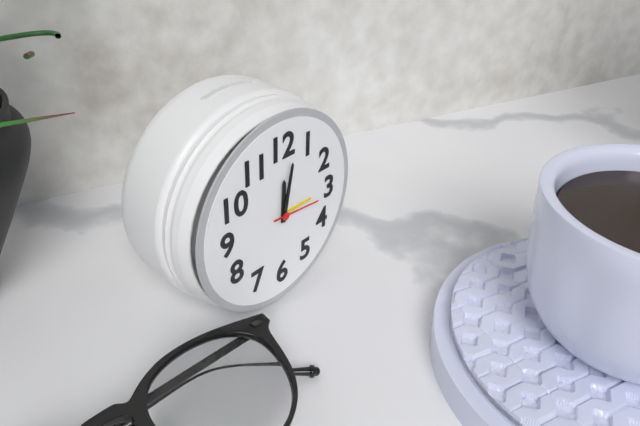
12:02:16
